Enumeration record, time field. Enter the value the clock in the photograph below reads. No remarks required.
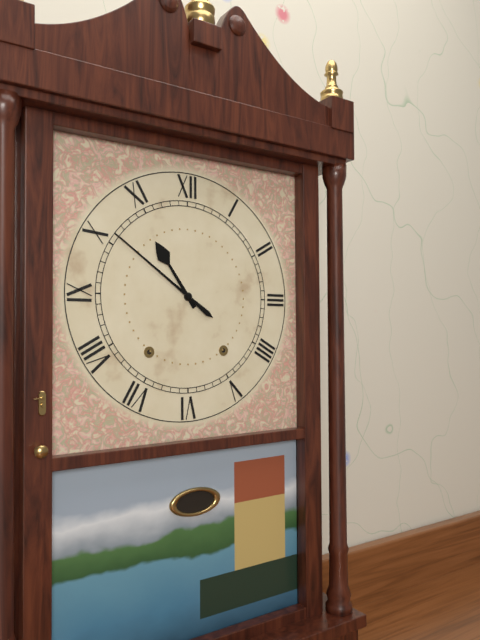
10:51
